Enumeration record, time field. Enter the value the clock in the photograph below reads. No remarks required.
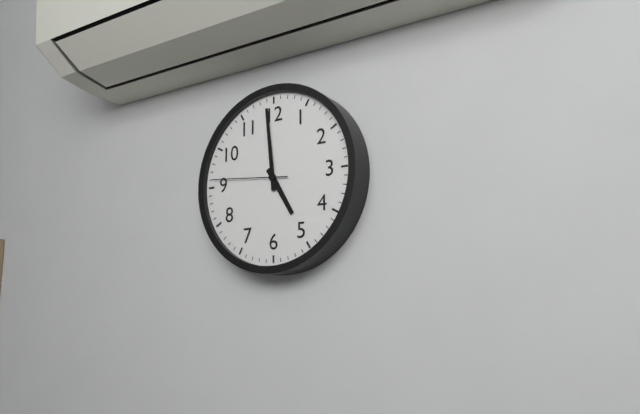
4:59:46
